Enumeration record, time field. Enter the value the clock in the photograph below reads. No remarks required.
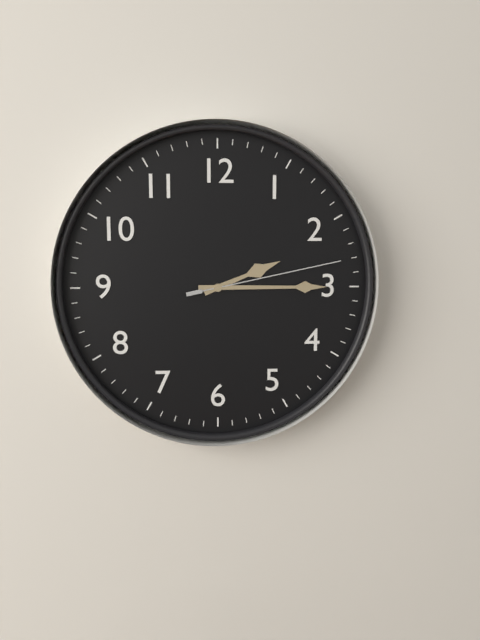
2:15:13
